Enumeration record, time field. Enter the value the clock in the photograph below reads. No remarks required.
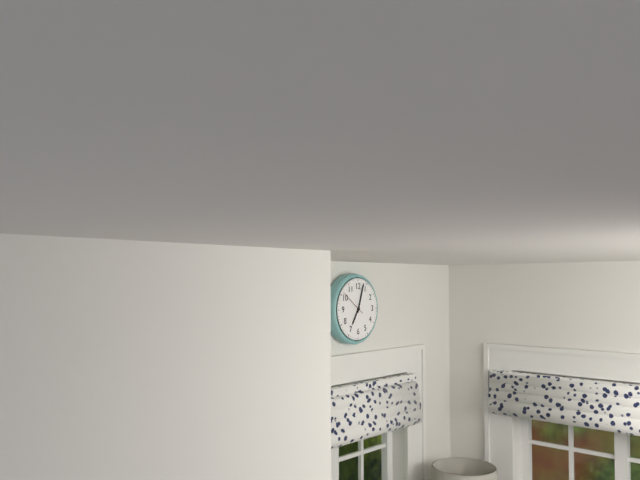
7:03
